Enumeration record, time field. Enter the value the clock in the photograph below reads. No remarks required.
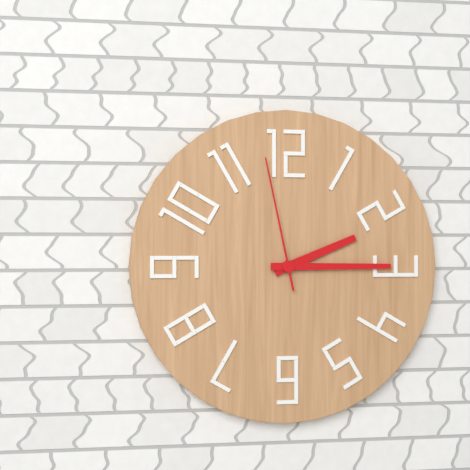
2:15:58
